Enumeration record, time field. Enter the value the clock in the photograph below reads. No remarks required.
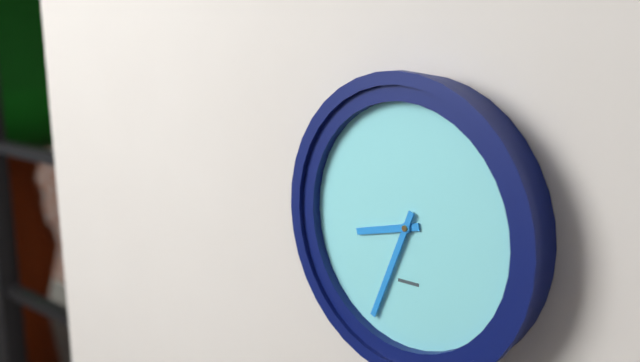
8:34
